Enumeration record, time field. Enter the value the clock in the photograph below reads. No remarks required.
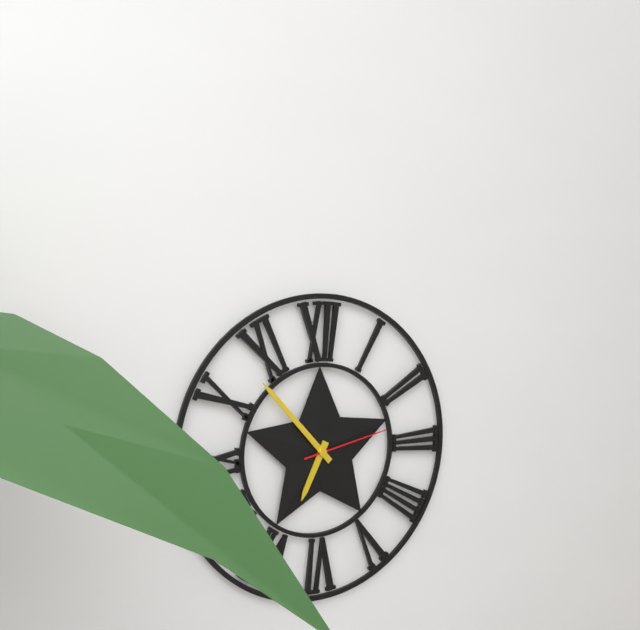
6:53:13
